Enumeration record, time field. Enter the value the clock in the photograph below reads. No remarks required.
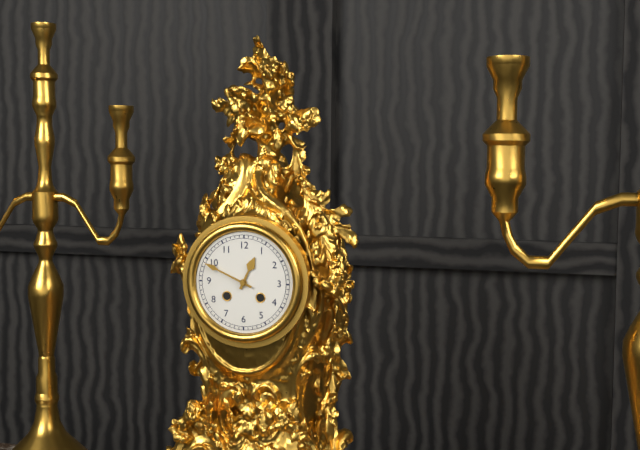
12:49
